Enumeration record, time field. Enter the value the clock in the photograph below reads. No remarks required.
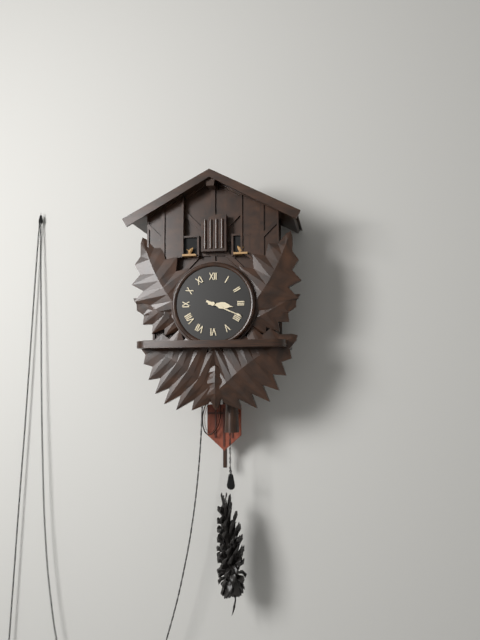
3:19
